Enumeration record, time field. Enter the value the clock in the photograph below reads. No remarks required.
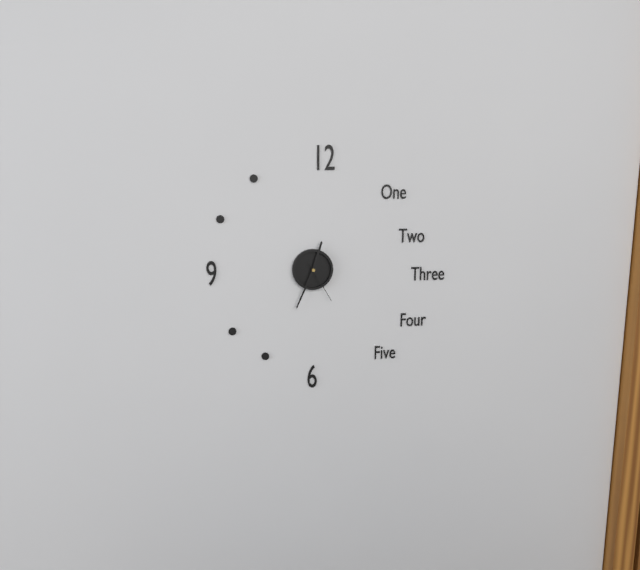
12:34
